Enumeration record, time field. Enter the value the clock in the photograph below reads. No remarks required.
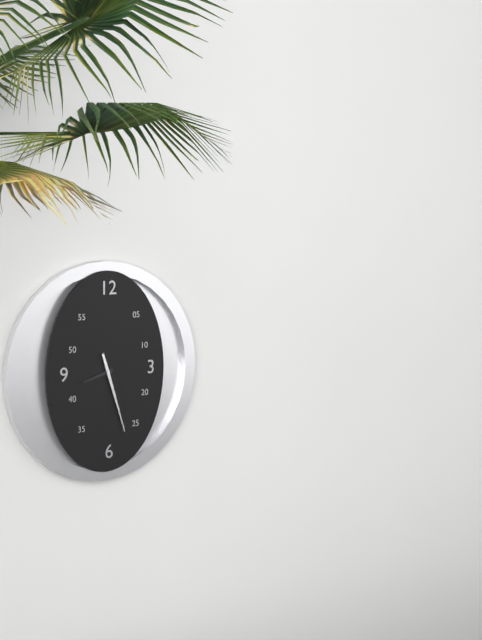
8:27
